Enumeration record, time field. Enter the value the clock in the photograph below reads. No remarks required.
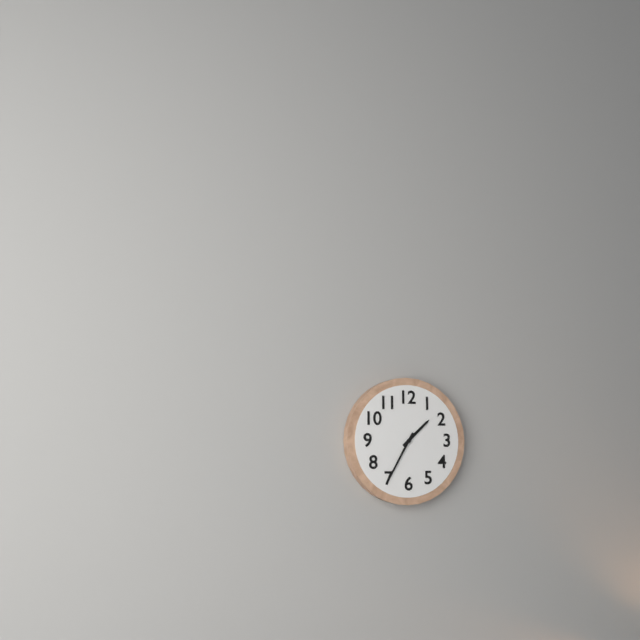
1:35
